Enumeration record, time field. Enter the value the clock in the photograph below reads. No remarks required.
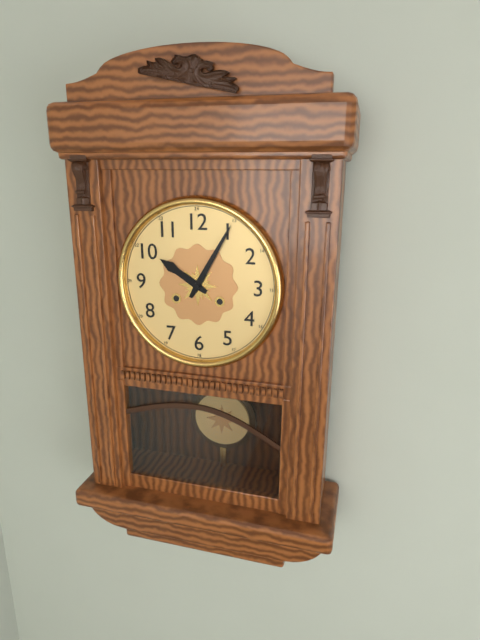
10:05
